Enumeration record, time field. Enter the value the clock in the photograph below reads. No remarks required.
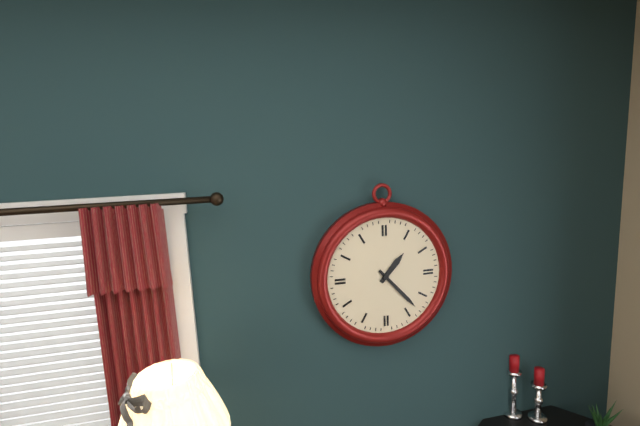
1:23
